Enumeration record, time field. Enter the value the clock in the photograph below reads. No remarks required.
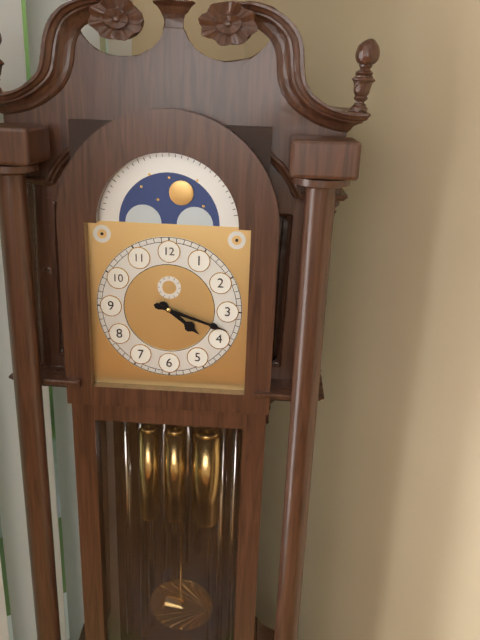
4:18
